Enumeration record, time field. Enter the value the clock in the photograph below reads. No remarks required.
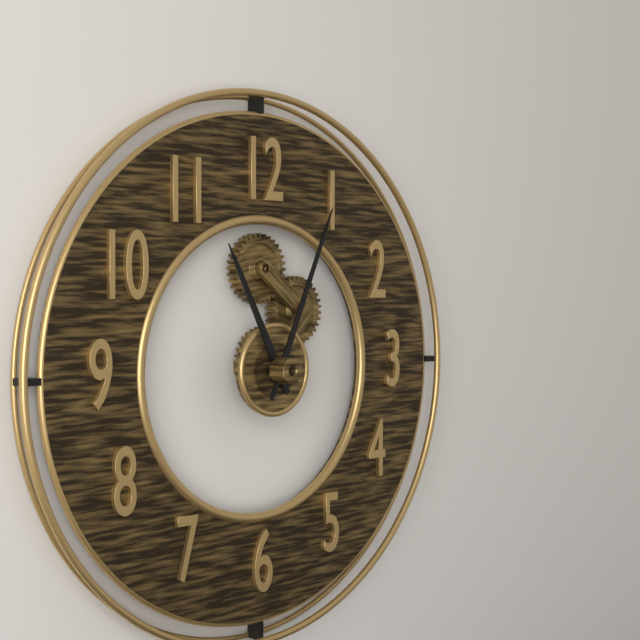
11:04
